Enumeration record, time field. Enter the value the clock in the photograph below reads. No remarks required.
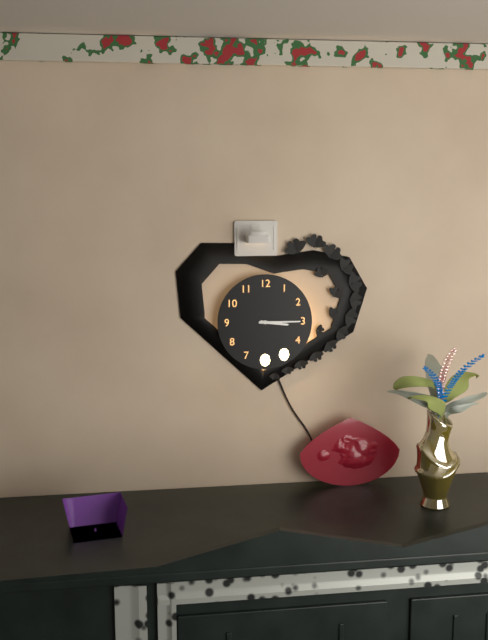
3:15
